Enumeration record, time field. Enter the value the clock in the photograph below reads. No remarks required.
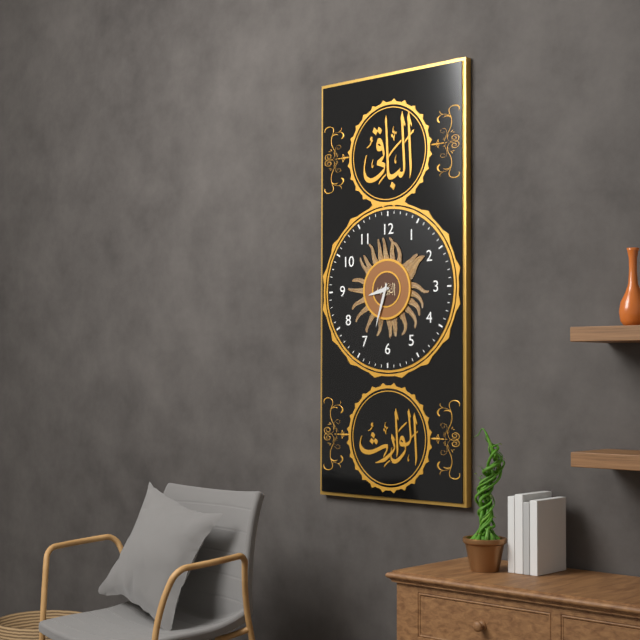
8:33
